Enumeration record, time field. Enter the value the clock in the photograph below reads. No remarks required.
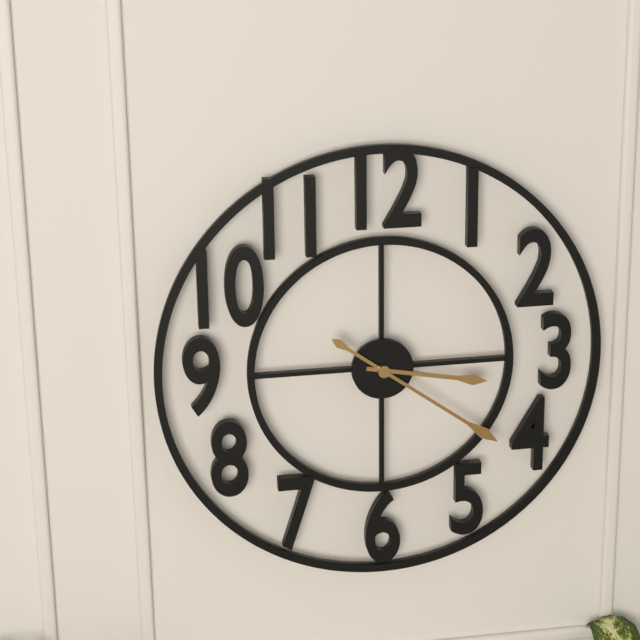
3:21
